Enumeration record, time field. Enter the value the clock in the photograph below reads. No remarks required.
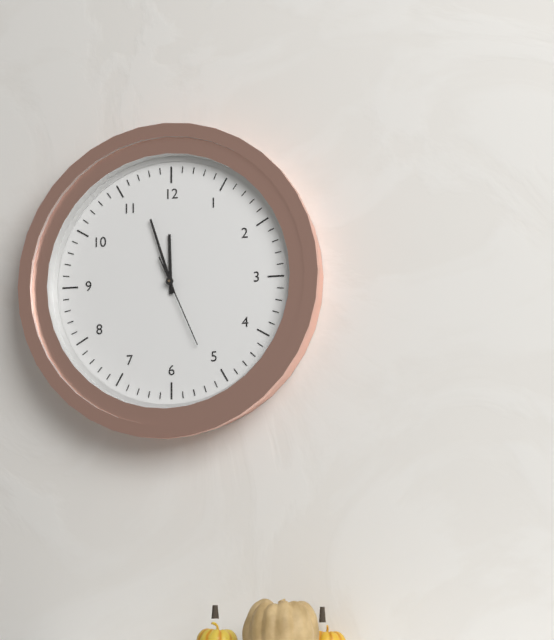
11:57:26
